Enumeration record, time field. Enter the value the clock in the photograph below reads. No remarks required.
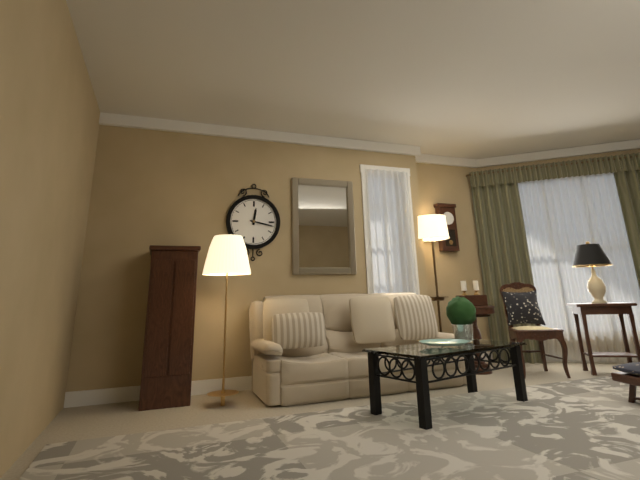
12:17
